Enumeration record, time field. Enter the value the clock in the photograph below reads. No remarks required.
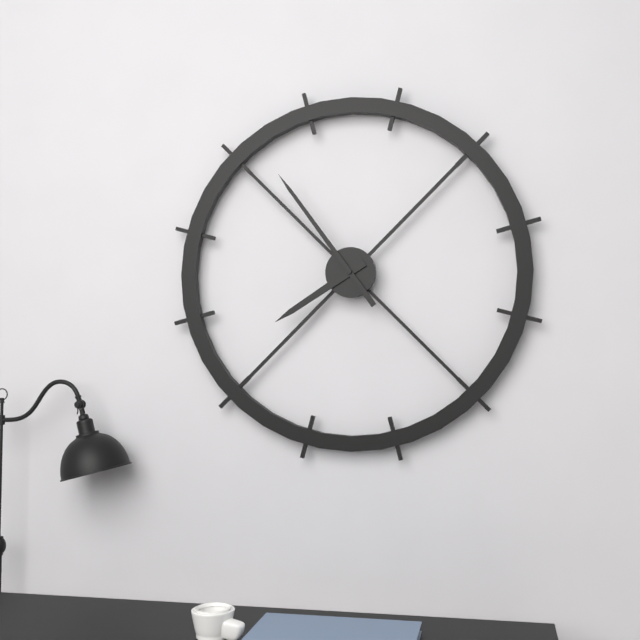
7:54
